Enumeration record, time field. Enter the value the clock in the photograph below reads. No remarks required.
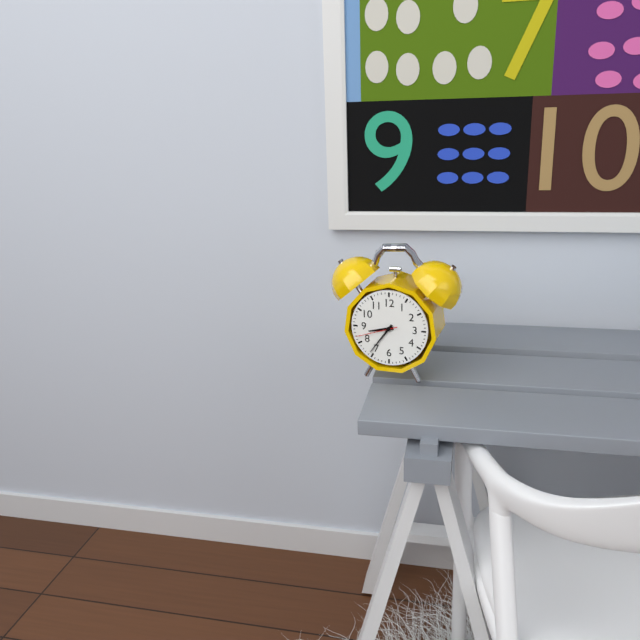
8:36
